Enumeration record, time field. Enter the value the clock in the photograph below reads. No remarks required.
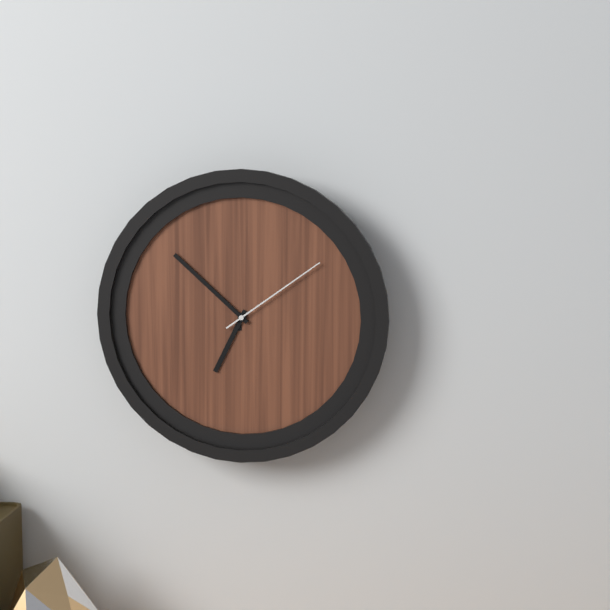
6:52:09
